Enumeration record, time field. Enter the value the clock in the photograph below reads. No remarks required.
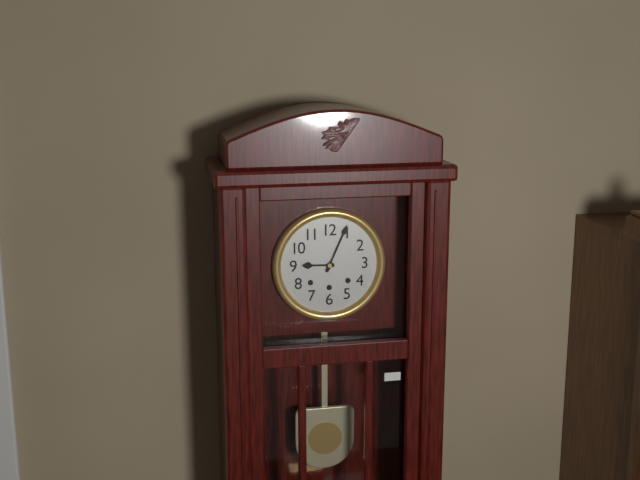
9:04
